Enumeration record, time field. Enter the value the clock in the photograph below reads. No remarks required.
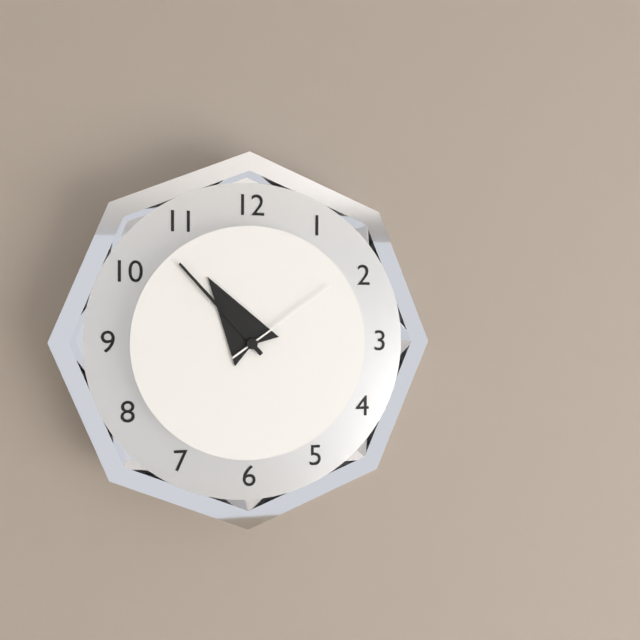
10:53:09
